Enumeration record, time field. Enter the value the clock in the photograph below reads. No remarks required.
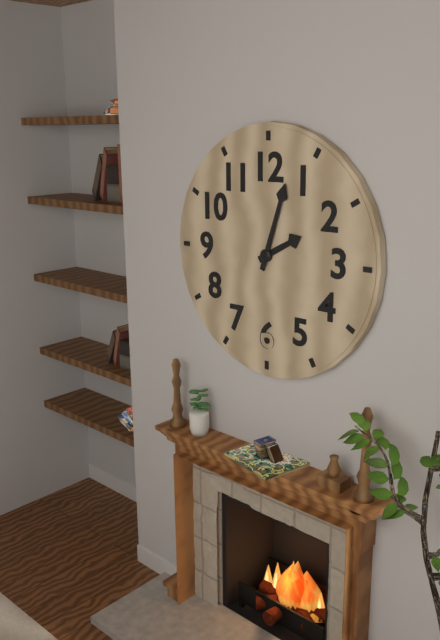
2:03
